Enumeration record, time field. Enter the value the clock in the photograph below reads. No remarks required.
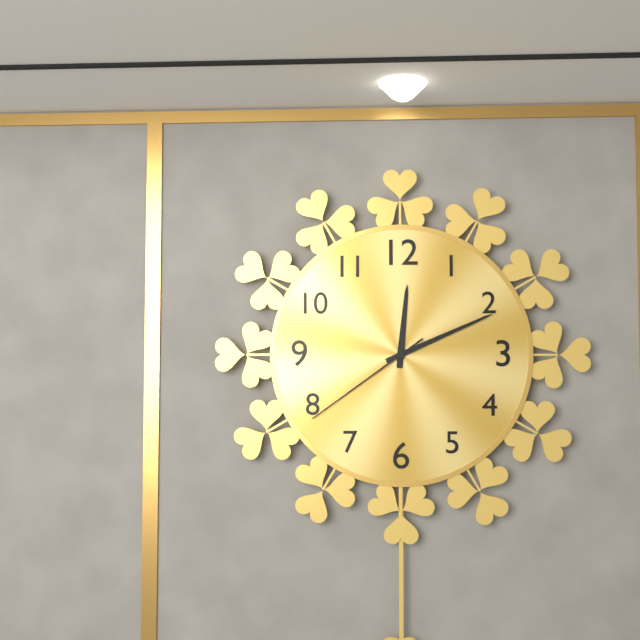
12:11:39
